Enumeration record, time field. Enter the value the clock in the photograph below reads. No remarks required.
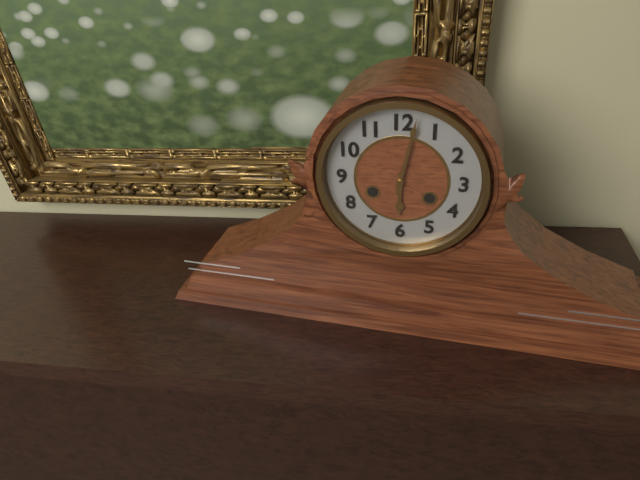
6:02
